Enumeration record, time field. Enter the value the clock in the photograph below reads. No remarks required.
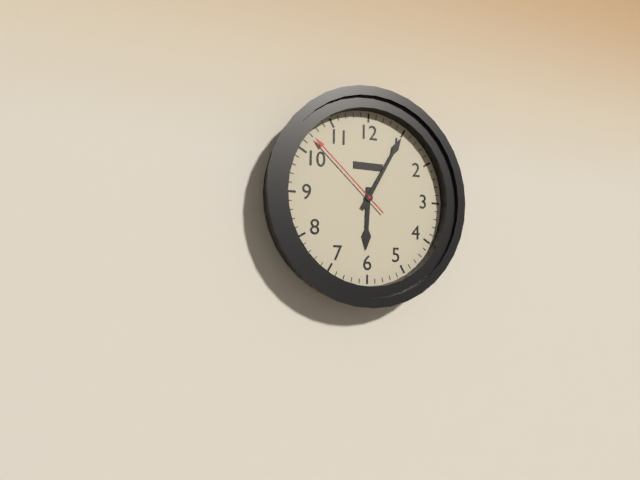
6:05:52
